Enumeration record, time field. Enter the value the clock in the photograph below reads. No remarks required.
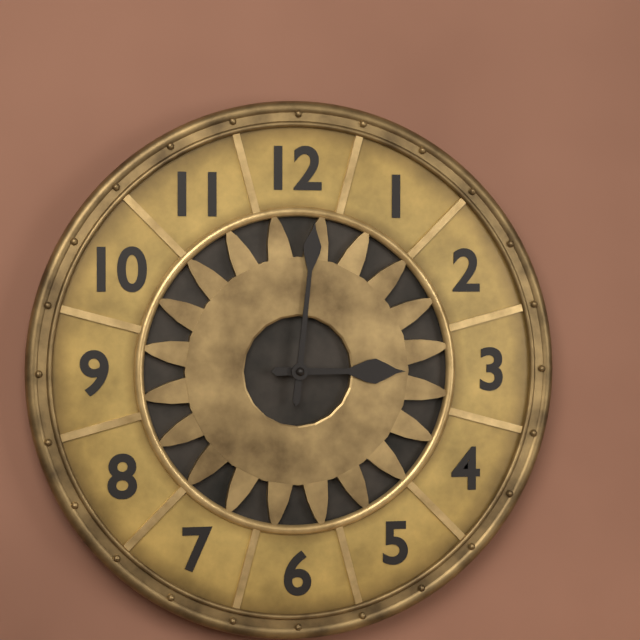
3:01
